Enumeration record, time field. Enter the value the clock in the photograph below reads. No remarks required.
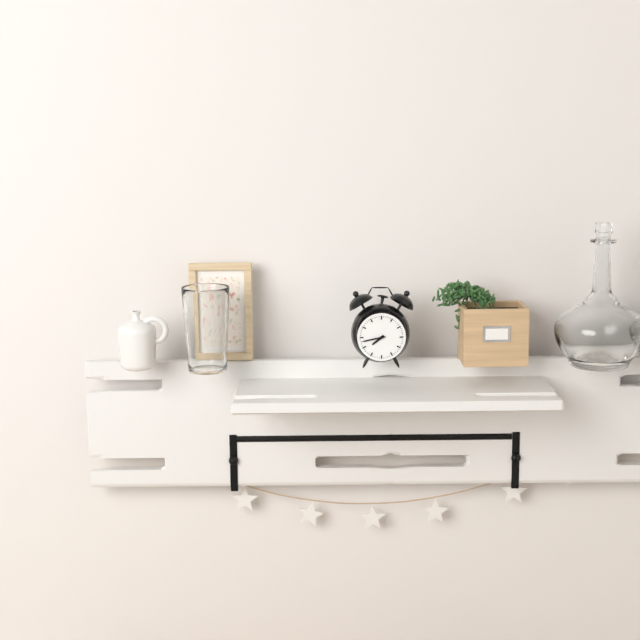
7:43
